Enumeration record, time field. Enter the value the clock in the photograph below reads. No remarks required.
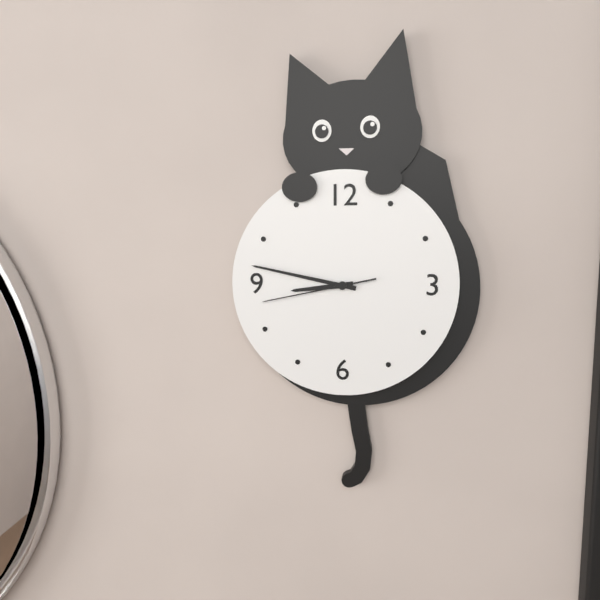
8:47:43
